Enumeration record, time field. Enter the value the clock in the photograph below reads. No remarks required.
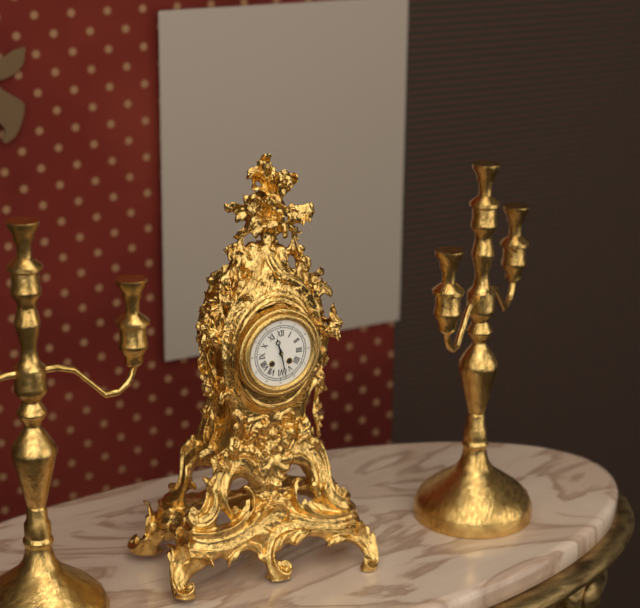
11:28
